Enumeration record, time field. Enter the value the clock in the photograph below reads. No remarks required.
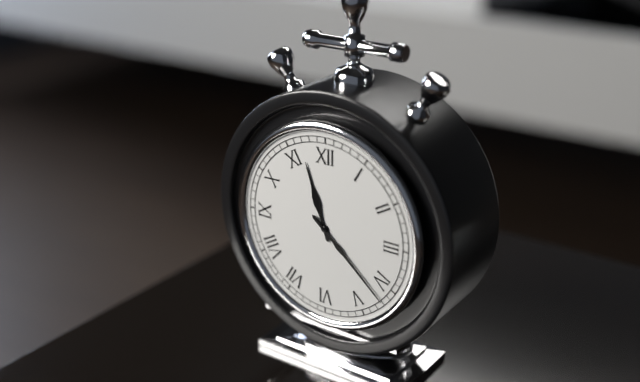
11:22
